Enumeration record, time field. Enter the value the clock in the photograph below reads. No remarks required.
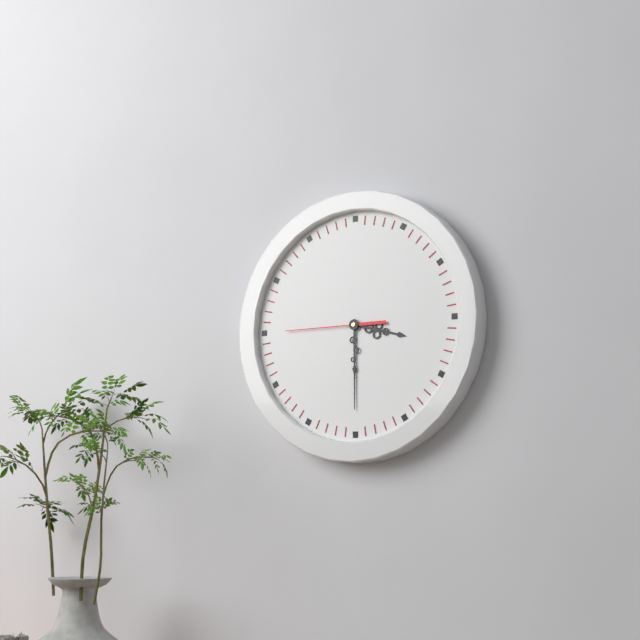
3:30:45
